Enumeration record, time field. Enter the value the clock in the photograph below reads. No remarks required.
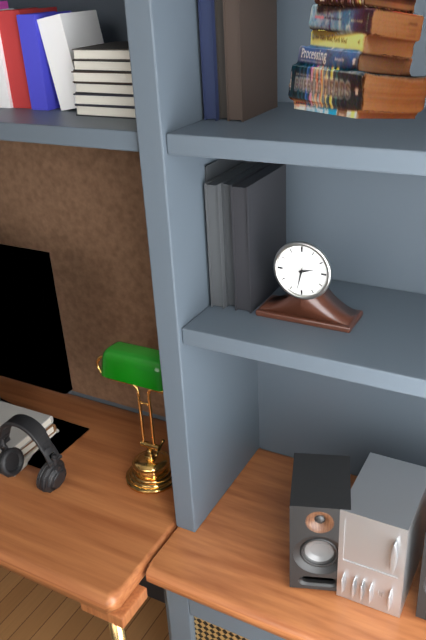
2:32
